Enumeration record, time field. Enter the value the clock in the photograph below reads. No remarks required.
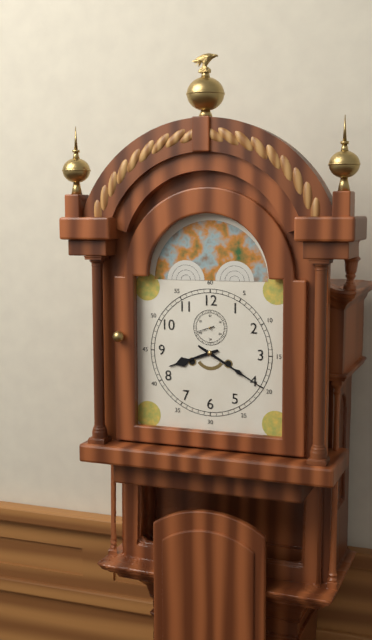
8:20
